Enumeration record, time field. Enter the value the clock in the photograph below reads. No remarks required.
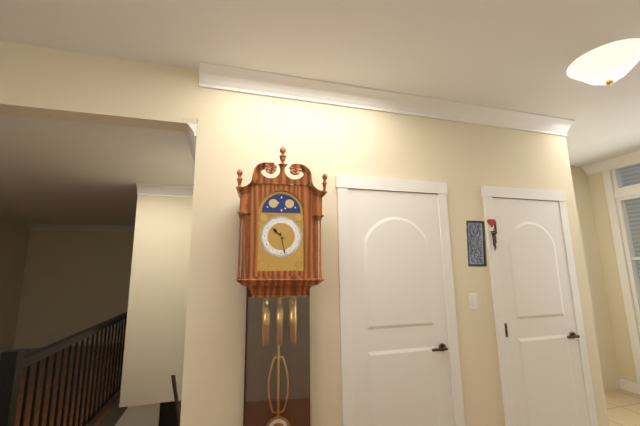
10:28
